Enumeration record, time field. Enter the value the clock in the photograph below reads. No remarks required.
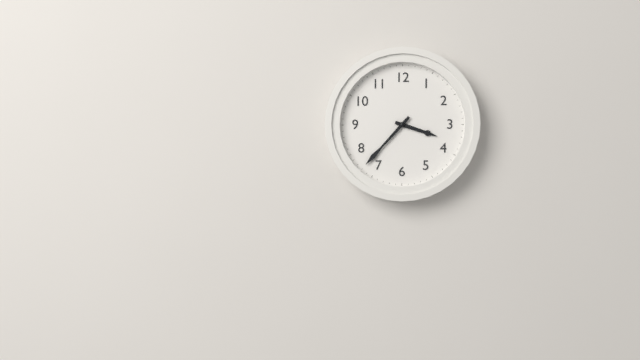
3:37
